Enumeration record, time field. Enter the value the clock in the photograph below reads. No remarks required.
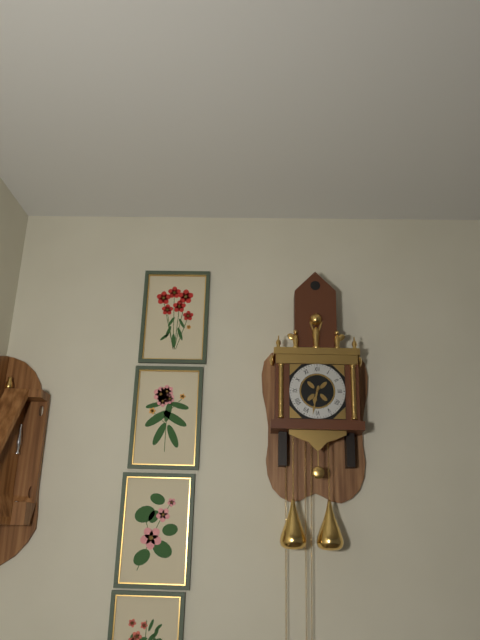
6:32
